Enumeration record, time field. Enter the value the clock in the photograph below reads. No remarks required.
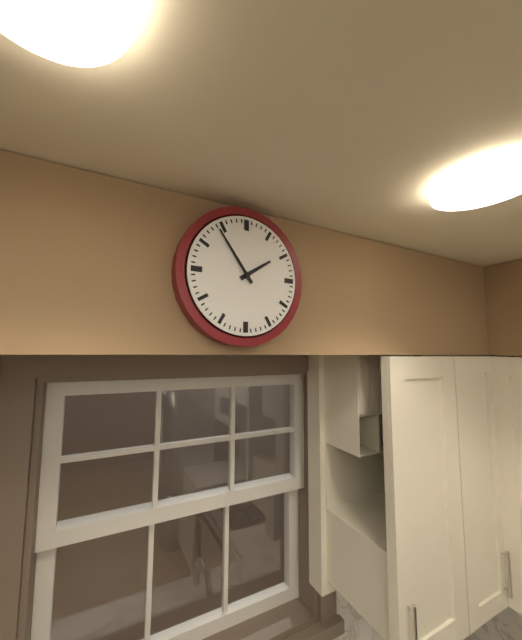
1:54
